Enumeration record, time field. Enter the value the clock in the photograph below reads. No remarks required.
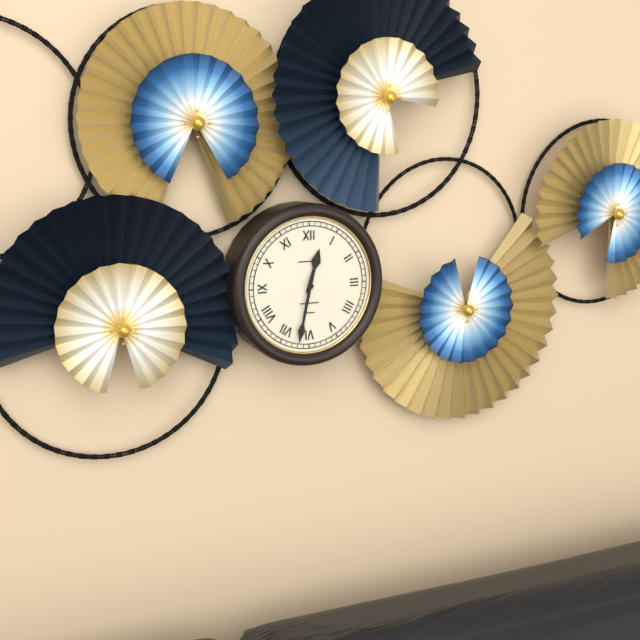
12:32
